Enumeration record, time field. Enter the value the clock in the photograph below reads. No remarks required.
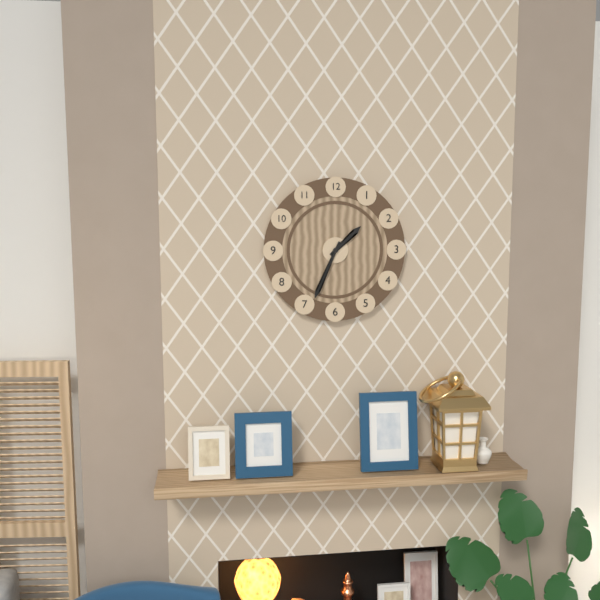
1:34
